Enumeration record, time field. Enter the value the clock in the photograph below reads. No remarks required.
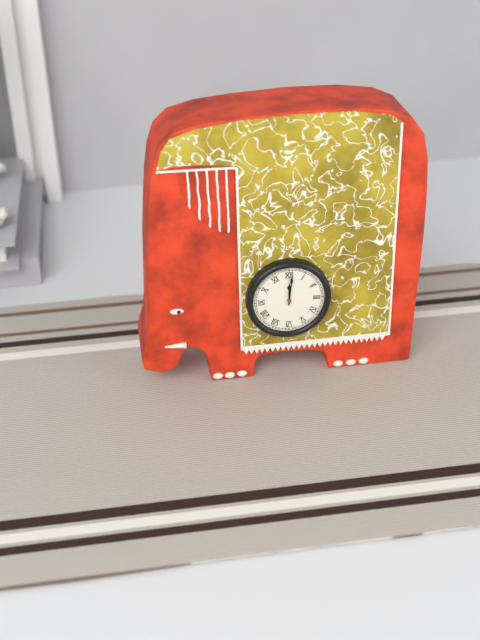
12:01
